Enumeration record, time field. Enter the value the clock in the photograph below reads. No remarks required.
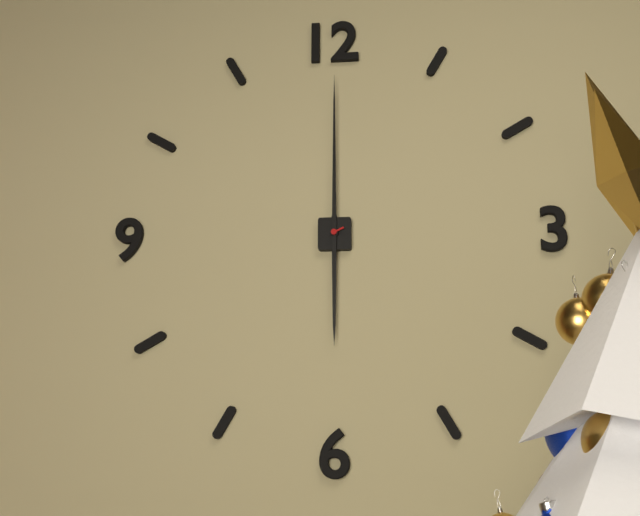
6:00
